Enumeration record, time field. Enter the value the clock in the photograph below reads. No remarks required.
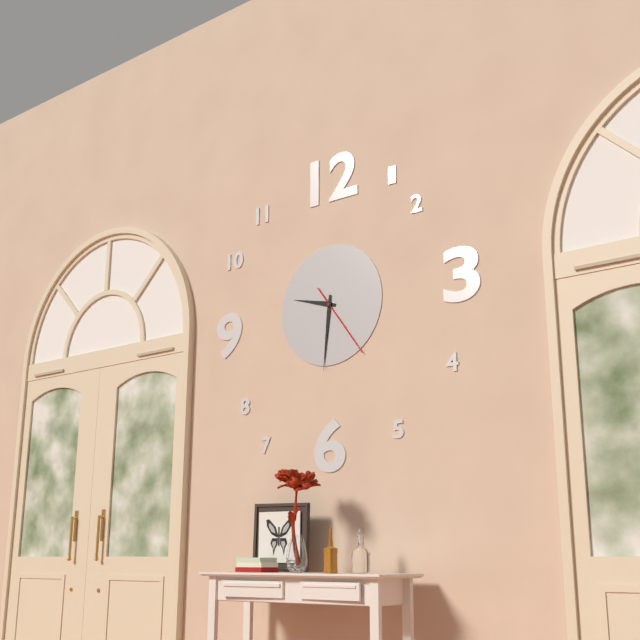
9:31:24
